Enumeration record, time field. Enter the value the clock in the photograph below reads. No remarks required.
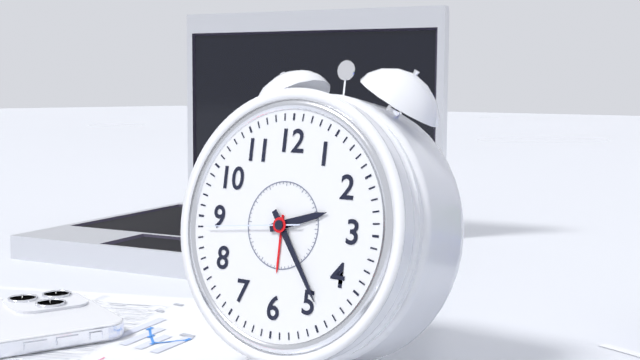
2:24:44
